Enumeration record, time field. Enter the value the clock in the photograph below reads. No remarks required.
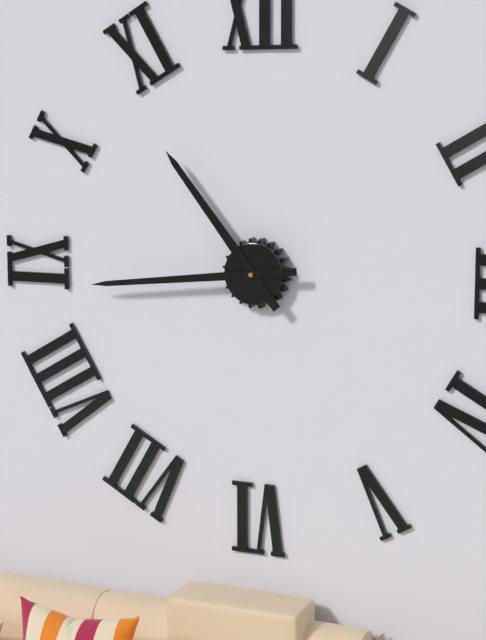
10:44
